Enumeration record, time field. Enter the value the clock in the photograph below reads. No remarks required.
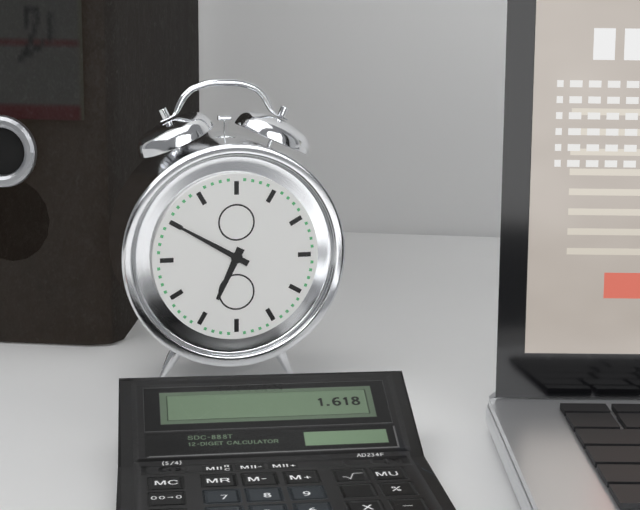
6:50
